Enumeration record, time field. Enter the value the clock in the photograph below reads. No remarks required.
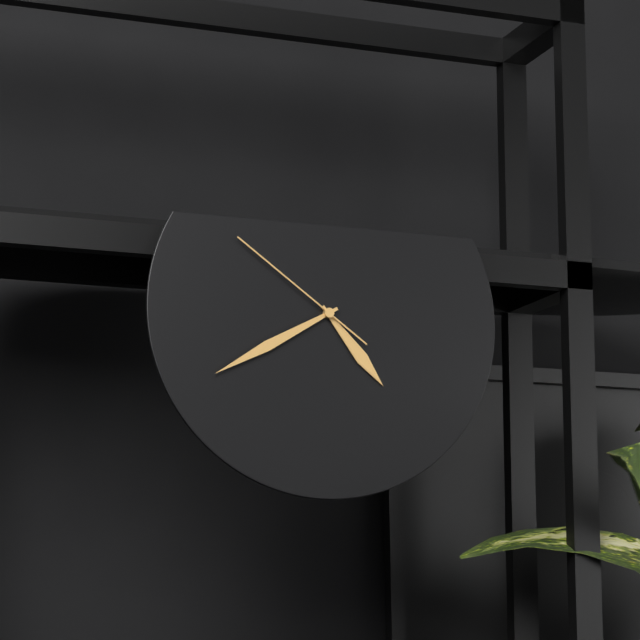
4:40:51
